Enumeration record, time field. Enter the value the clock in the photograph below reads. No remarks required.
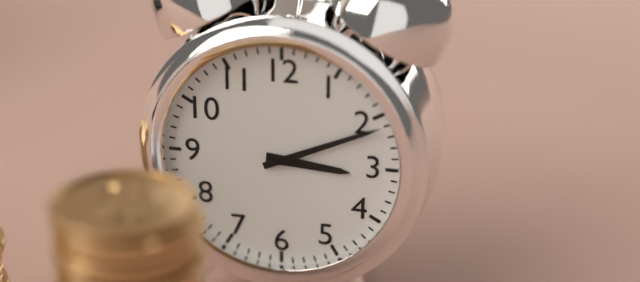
3:11
